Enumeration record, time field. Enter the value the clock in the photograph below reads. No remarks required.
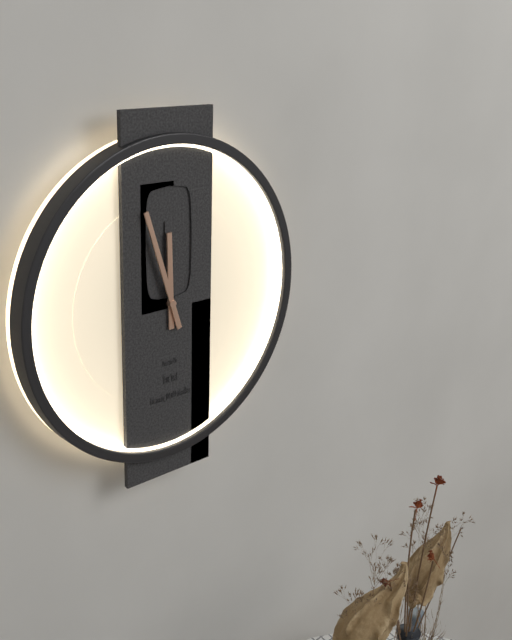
11:57
